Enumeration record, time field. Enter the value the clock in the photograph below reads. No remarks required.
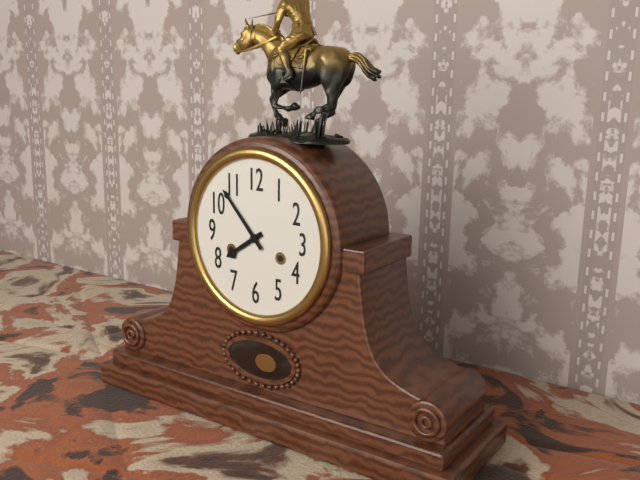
7:53
